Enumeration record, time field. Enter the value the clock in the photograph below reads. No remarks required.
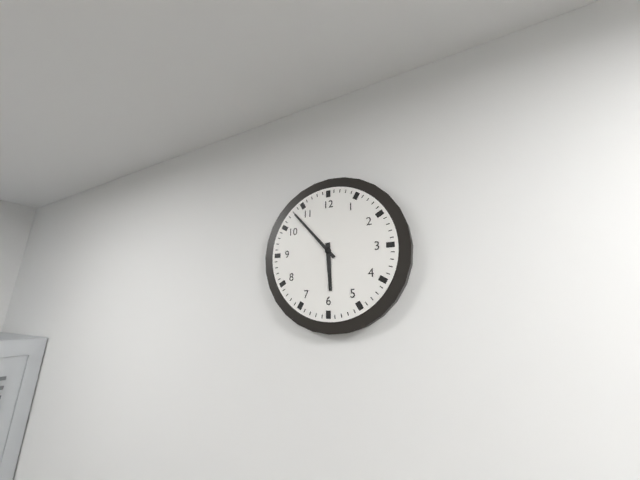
5:53
